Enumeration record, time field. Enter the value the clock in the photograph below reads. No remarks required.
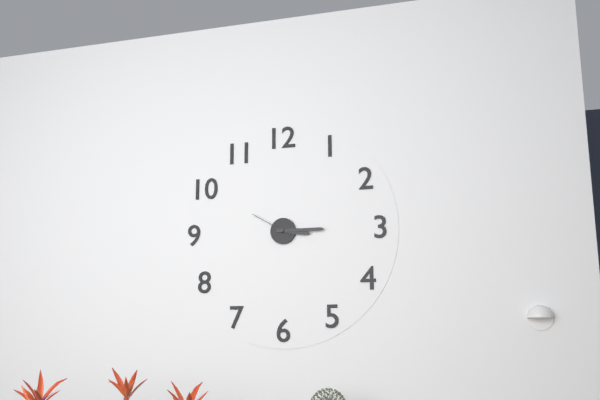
3:15
